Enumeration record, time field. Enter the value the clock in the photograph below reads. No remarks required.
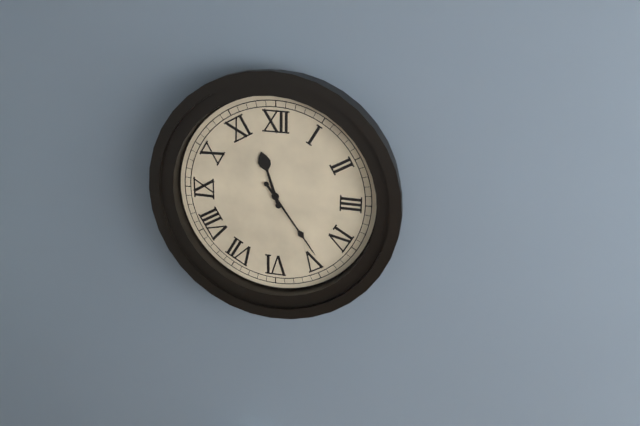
11:24
